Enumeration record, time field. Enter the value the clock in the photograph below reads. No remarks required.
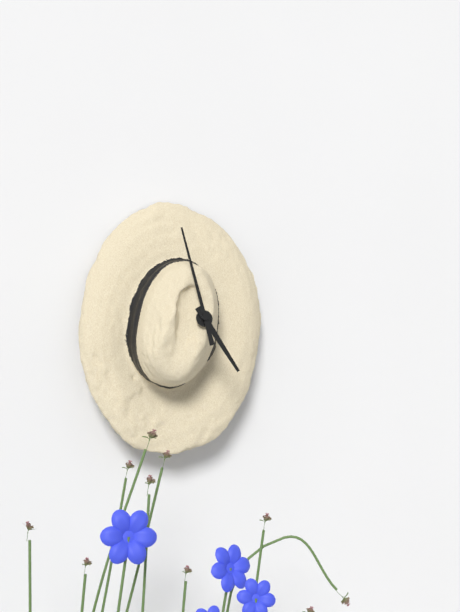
4:58
